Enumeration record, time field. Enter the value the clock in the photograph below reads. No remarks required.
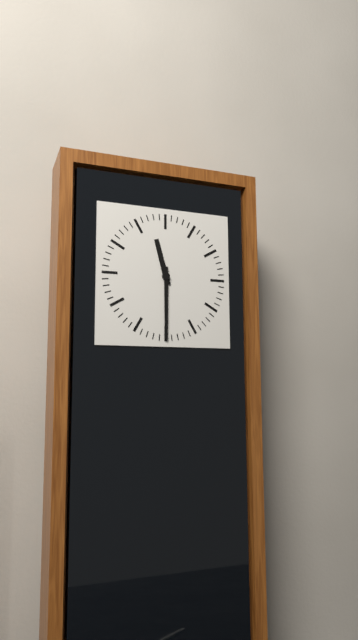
11:30
